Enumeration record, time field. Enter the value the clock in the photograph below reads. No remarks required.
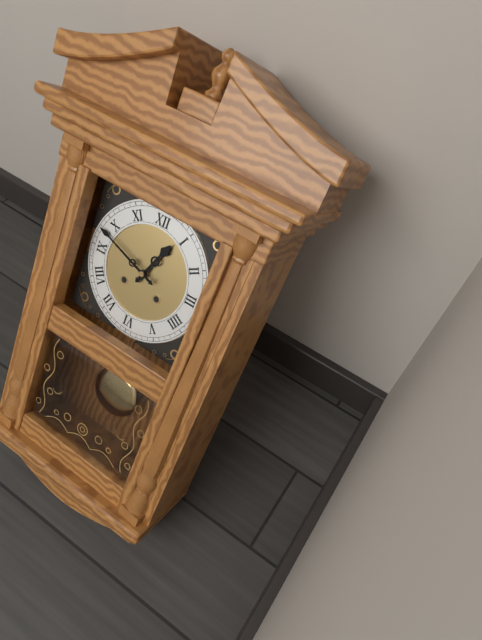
12:48
